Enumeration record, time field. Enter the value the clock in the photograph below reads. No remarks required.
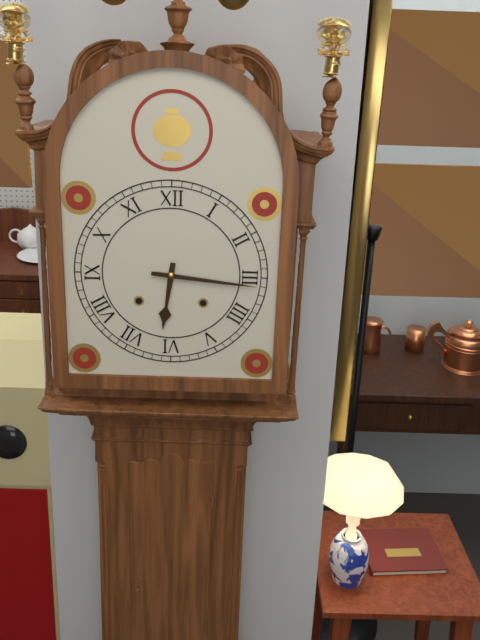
6:16
